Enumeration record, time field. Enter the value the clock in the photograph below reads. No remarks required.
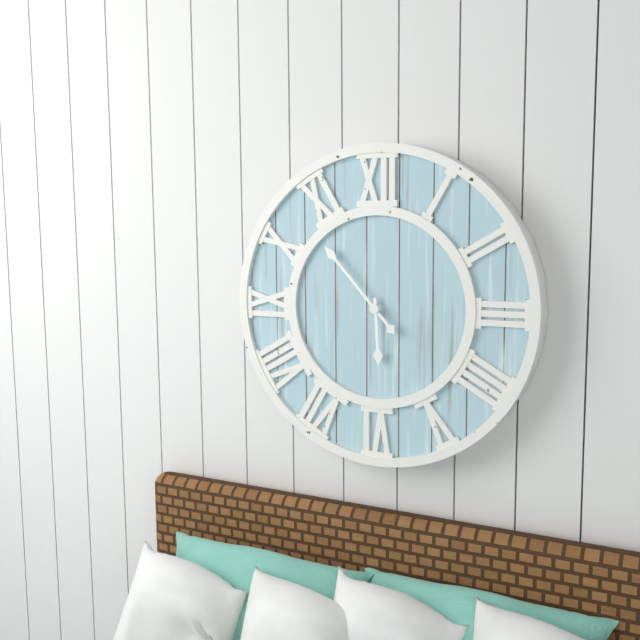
5:53
